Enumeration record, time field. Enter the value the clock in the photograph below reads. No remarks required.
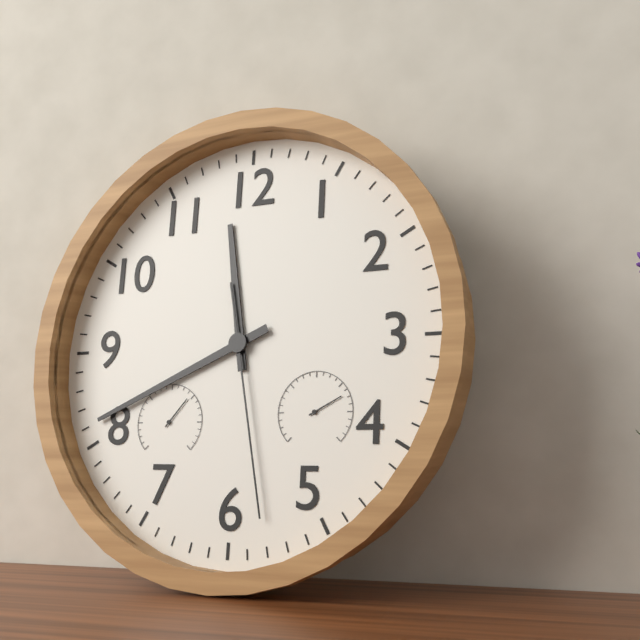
11:41:28
